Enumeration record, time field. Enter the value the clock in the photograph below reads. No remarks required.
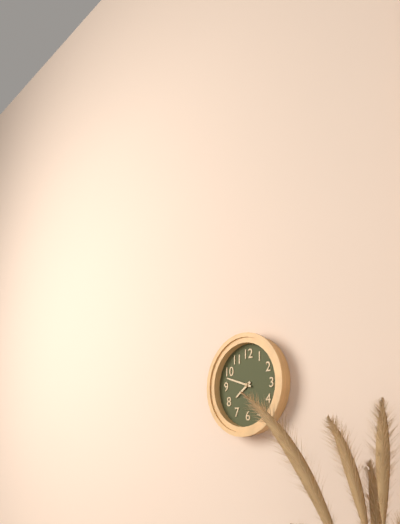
7:48
